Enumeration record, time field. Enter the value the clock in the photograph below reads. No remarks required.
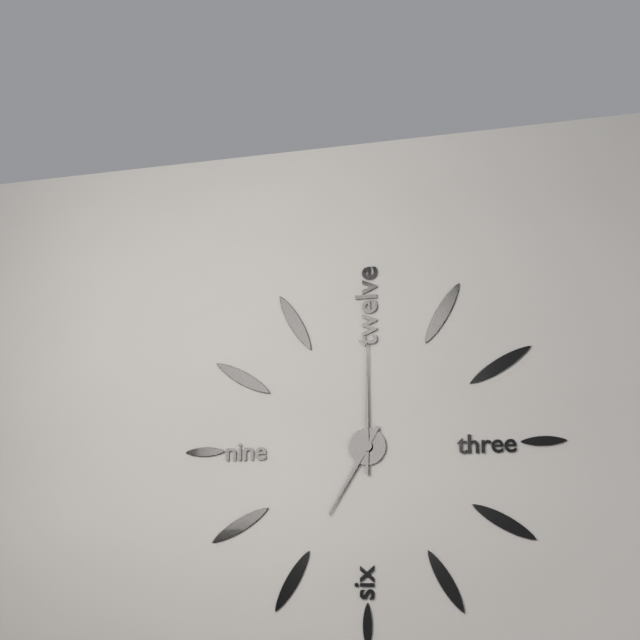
7:00
